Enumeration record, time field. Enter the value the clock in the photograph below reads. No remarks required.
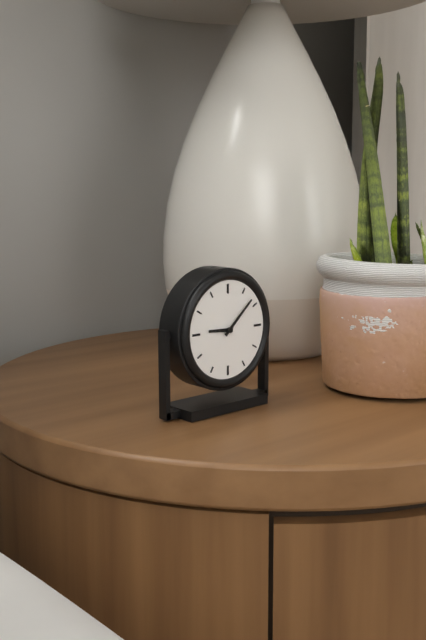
9:08
